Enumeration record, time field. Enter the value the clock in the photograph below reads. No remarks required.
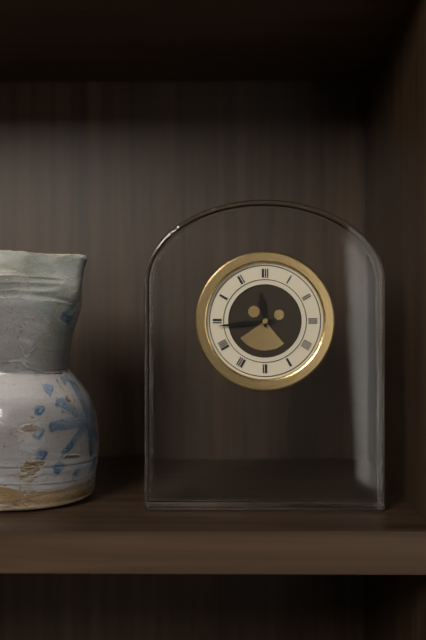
11:44
